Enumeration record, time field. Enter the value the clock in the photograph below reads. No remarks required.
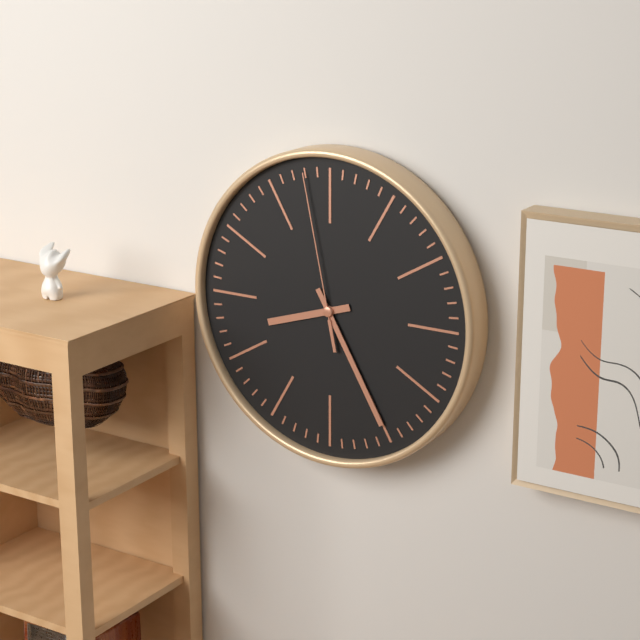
8:25:58
